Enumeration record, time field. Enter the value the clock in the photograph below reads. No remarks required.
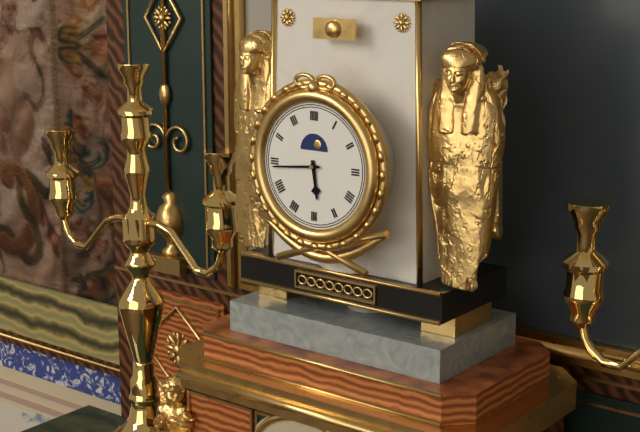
5:44
